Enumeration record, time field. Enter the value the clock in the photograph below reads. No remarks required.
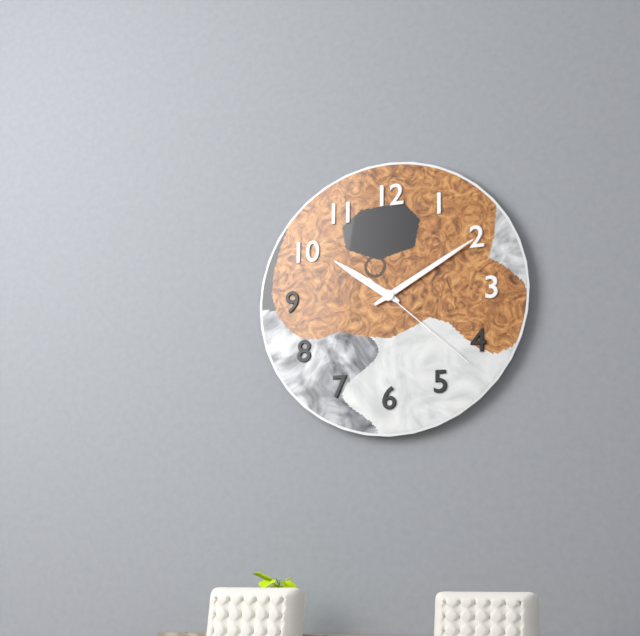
10:10:22
